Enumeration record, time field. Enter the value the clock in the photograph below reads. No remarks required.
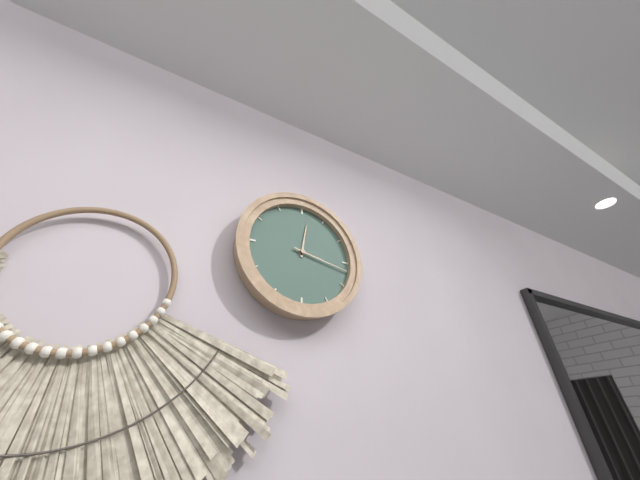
12:17
